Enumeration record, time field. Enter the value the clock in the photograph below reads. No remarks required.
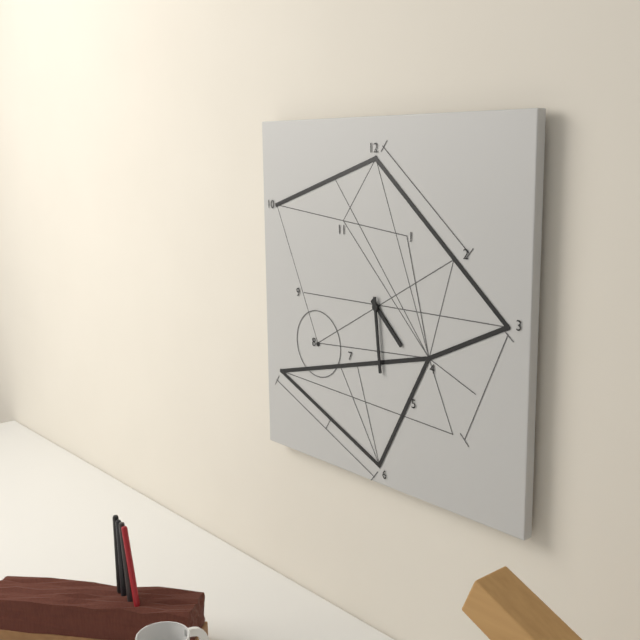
4:29
